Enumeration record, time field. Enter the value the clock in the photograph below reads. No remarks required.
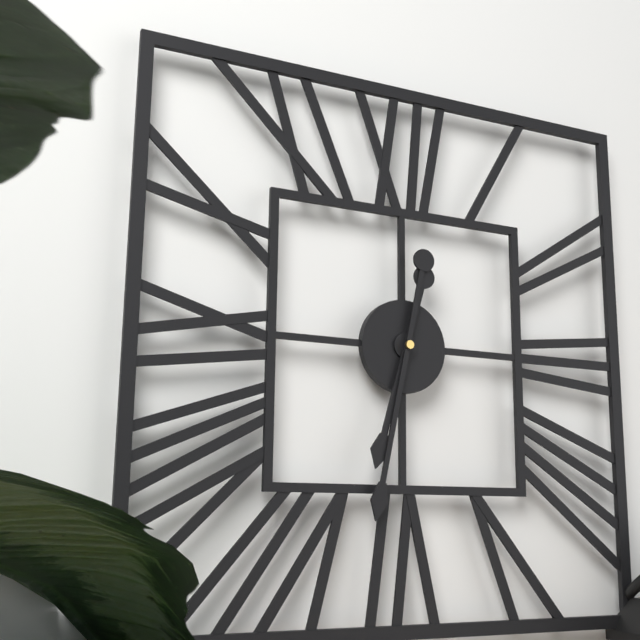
6:32
